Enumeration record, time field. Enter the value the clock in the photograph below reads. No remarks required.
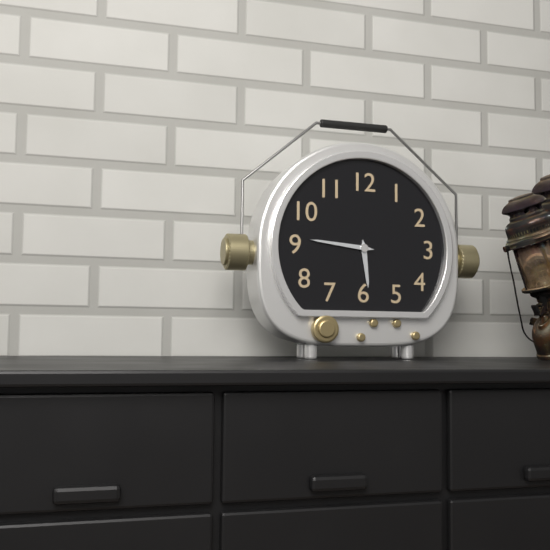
5:46
